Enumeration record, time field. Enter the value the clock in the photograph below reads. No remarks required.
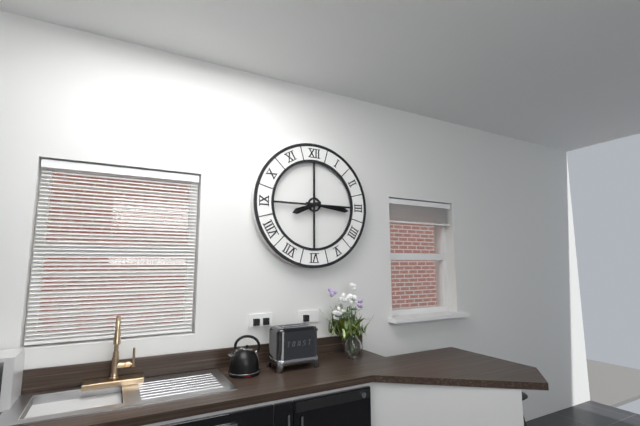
8:16
